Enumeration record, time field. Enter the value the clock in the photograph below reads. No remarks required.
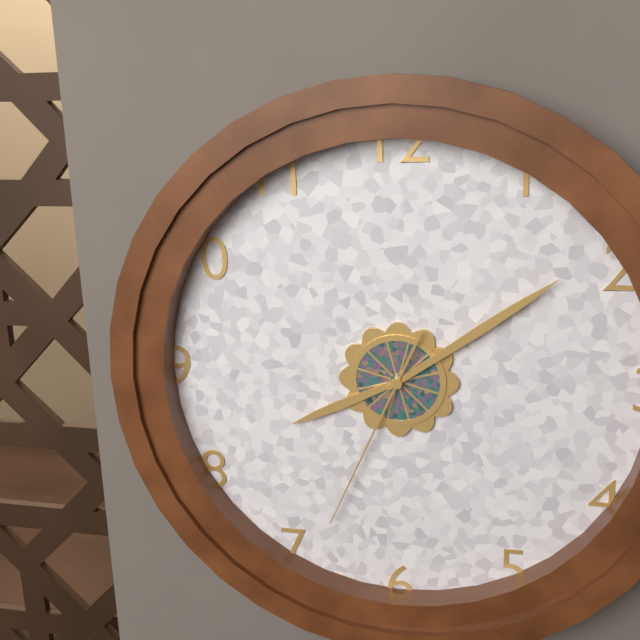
8:09:34
